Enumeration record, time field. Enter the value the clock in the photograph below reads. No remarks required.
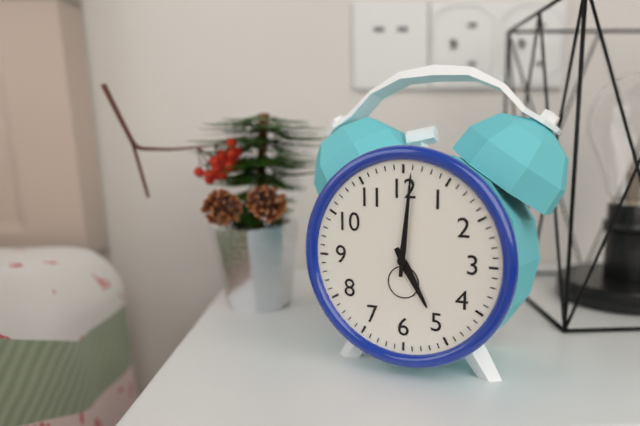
5:01
